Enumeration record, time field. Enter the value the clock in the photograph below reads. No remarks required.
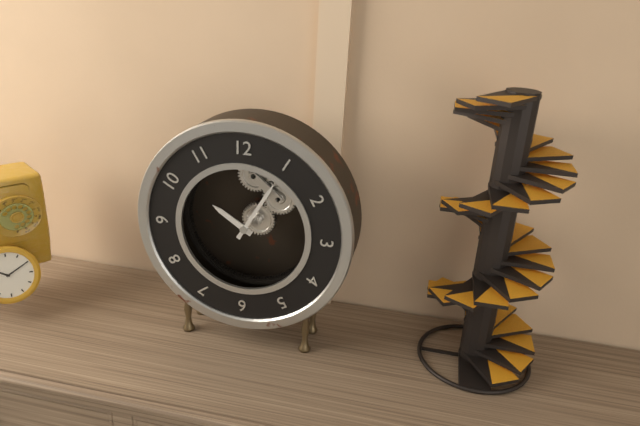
10:05
